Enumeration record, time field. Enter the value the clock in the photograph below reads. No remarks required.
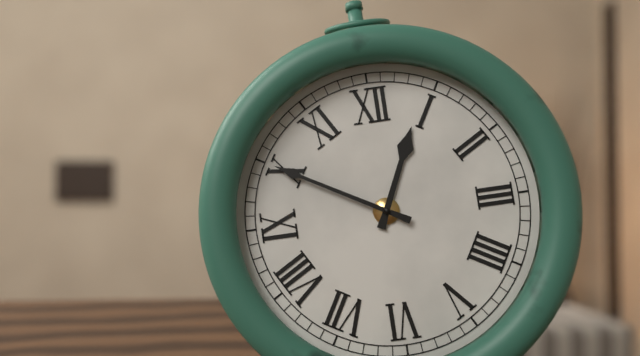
12:50
